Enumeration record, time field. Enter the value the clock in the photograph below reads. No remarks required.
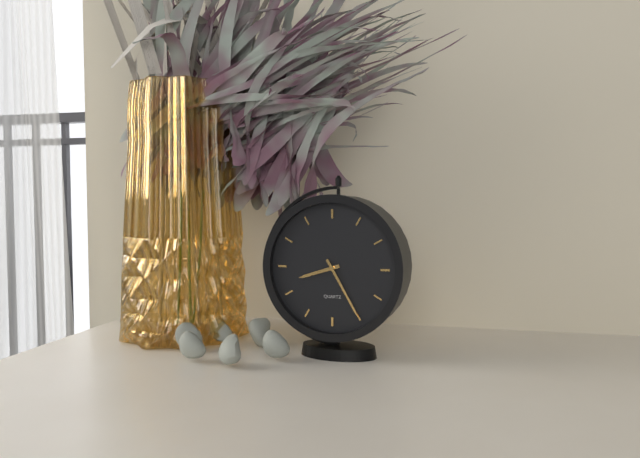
8:25
